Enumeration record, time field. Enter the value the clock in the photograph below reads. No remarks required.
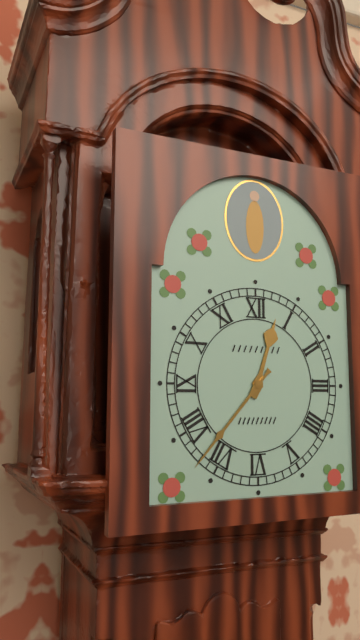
12:37
